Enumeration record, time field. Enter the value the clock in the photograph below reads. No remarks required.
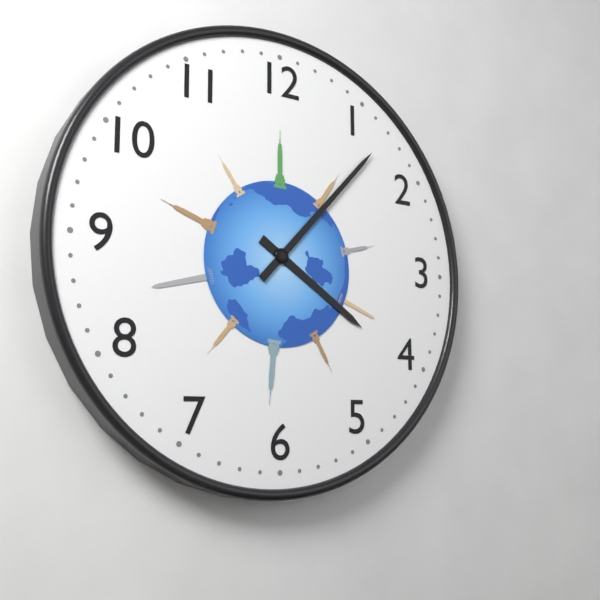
4:07
